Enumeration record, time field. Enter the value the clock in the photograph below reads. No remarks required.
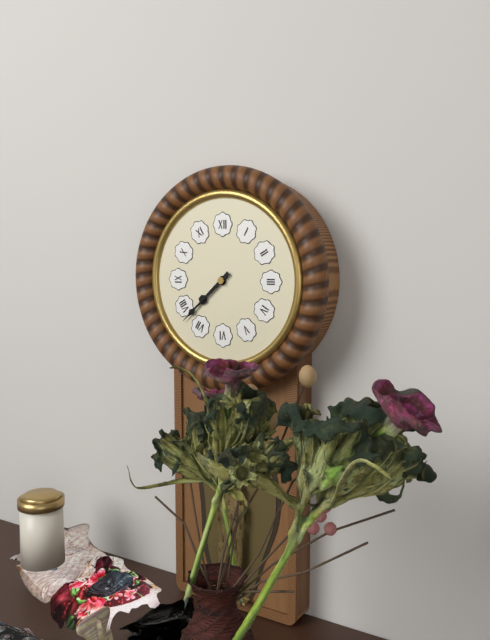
7:38
